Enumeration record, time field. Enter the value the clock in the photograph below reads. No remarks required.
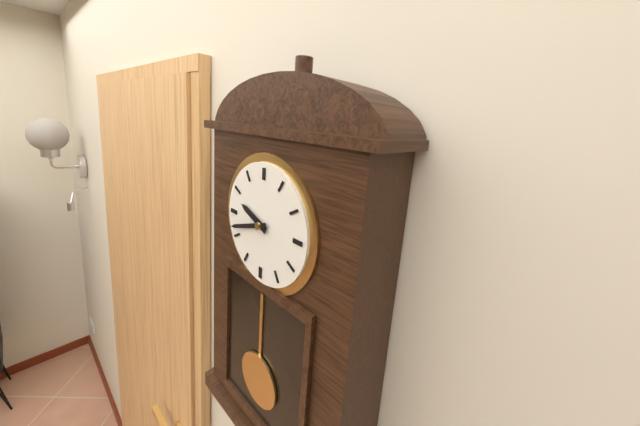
9:42
